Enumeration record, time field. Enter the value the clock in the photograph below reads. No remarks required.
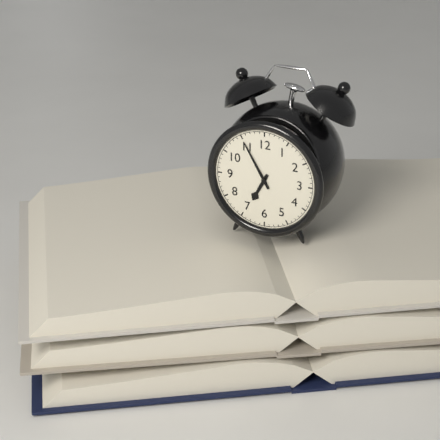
6:55
